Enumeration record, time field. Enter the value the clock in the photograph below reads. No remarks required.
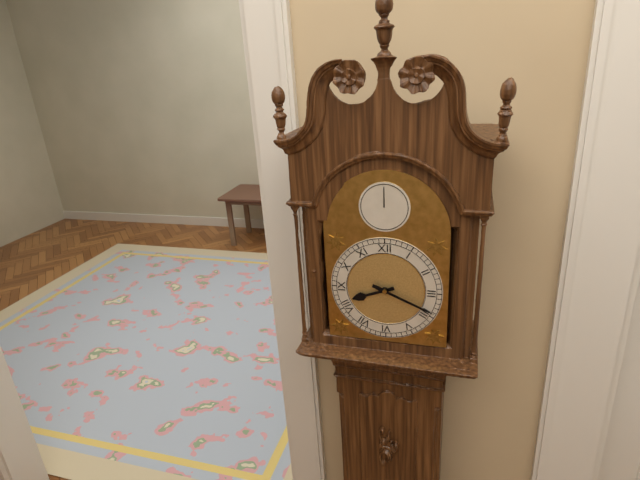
8:19
